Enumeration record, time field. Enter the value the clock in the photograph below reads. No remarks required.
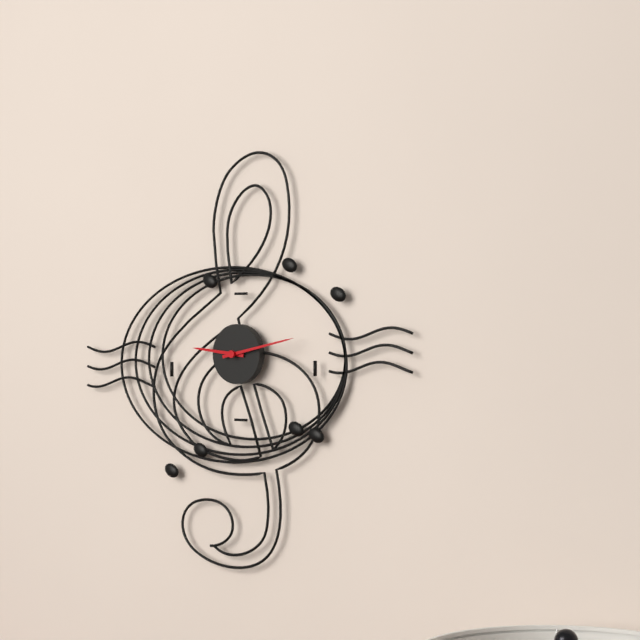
9:13
